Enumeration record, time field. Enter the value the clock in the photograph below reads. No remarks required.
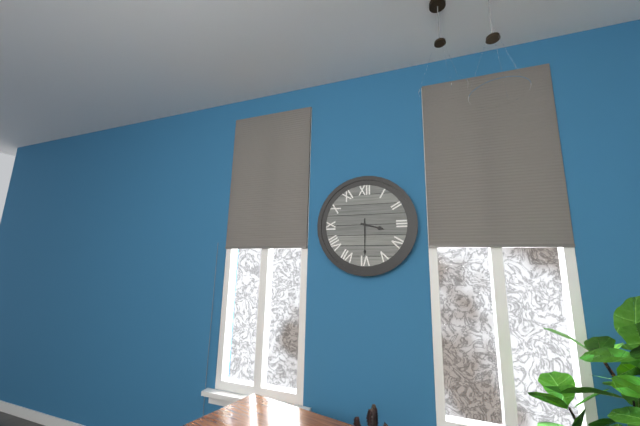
3:30
